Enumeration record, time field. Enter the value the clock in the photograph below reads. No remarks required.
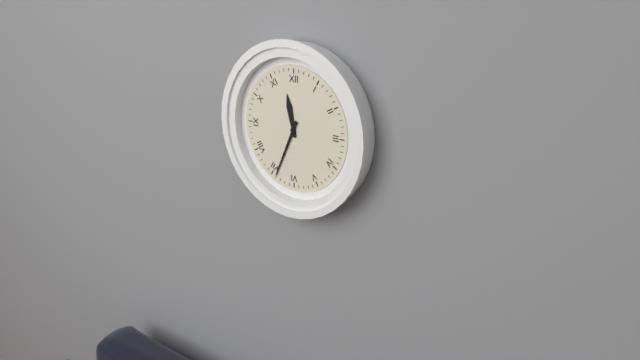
11:34
